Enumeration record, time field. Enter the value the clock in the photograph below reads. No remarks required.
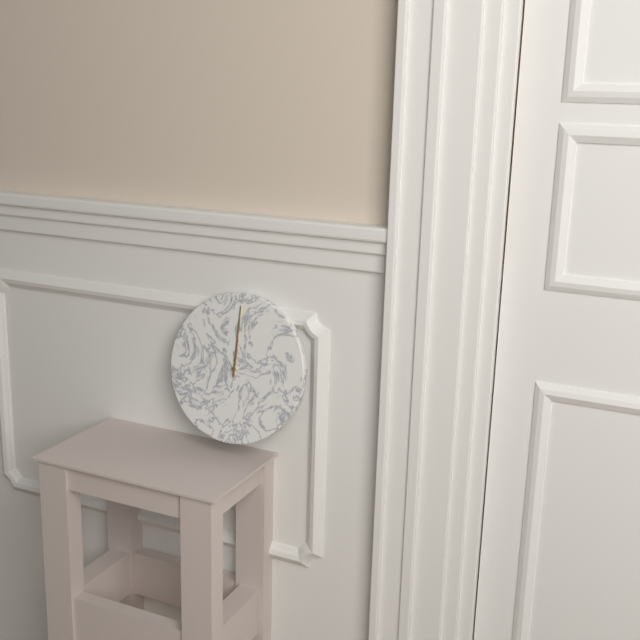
12:00
